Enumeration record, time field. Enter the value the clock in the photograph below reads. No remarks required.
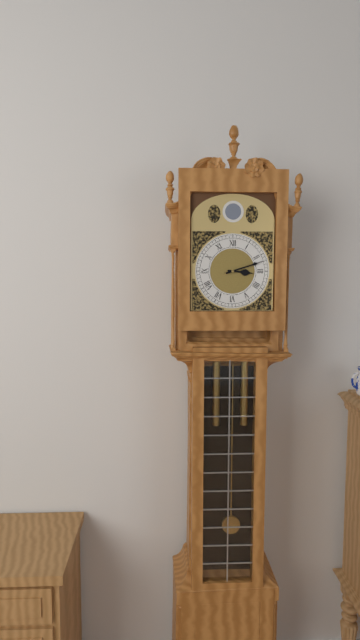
3:12
